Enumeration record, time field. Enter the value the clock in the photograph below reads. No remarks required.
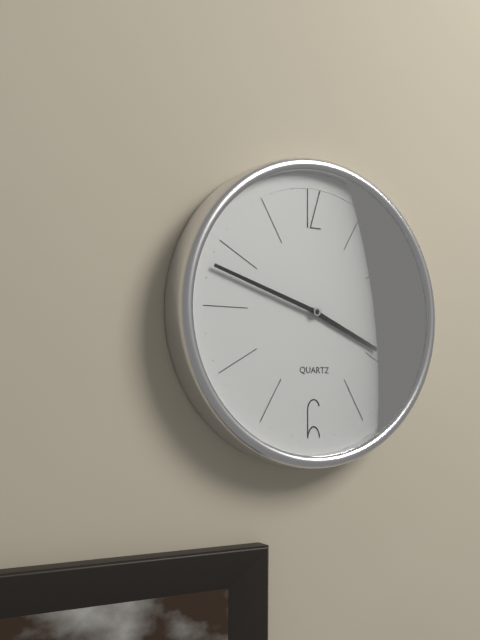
3:48
